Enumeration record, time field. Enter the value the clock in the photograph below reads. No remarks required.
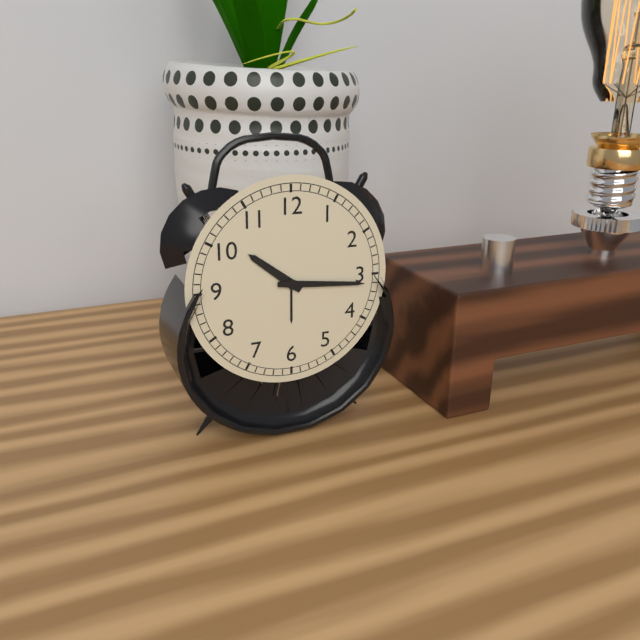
10:16
